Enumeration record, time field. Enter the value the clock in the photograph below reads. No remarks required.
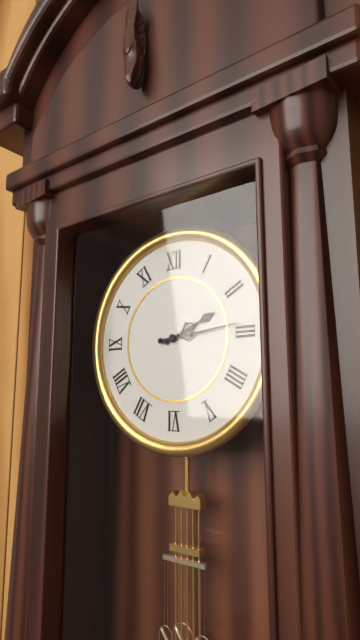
2:14
